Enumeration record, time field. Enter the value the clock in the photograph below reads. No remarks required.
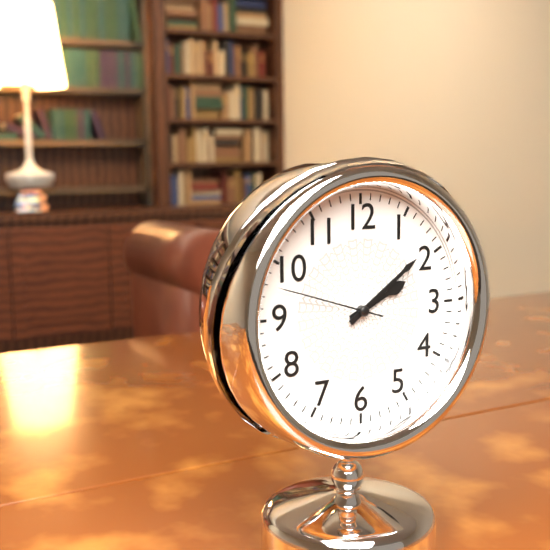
2:09:48
